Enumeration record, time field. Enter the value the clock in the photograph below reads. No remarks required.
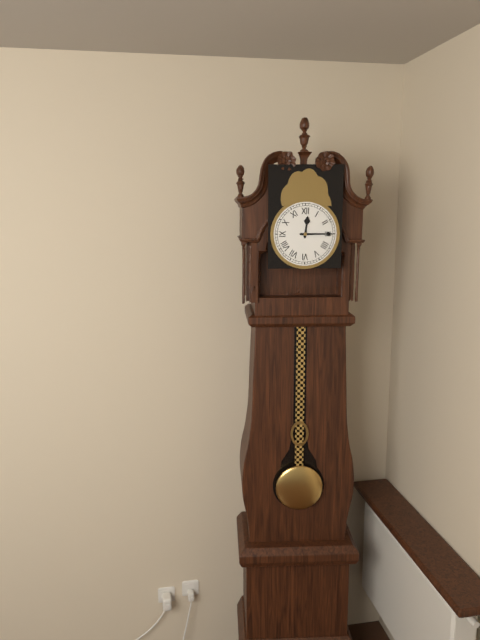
12:15
